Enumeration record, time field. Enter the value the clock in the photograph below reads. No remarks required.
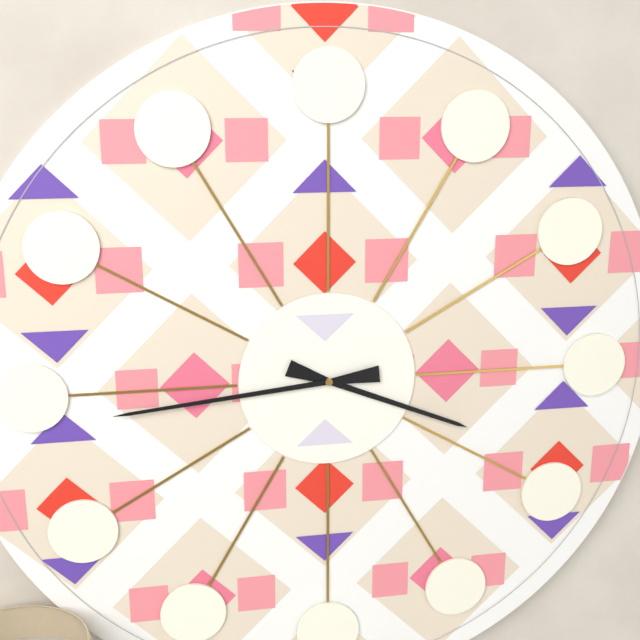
3:44
